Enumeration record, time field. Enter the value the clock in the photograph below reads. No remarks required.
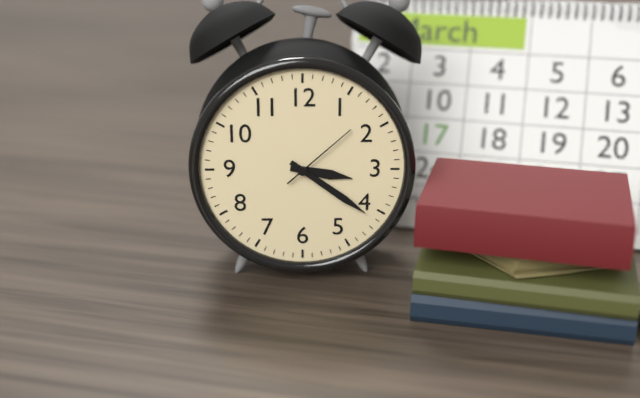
3:21:08
